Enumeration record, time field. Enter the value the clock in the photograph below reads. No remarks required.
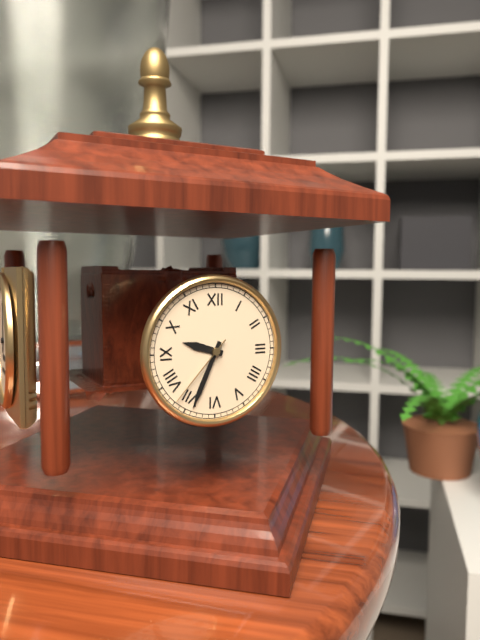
9:34:37
